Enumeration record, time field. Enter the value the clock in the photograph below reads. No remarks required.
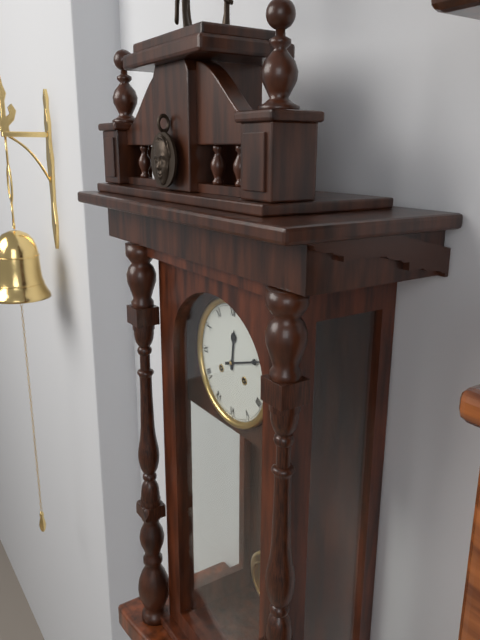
12:12
